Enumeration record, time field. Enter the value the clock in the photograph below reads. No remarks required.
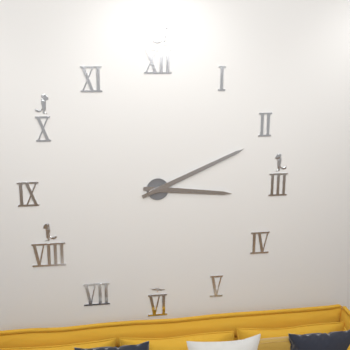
3:11
